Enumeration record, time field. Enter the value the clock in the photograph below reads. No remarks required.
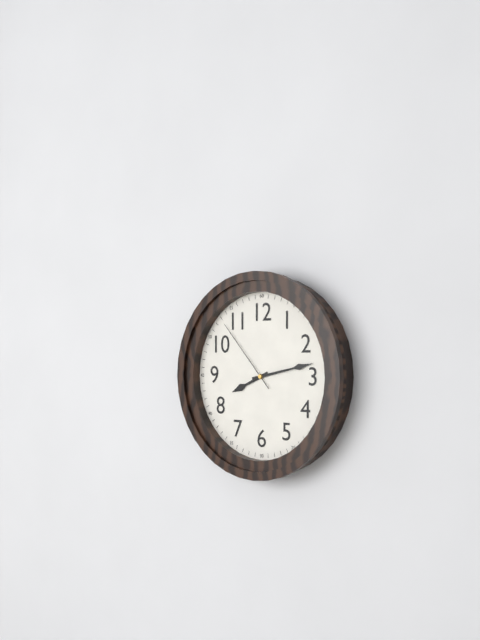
8:13:53
